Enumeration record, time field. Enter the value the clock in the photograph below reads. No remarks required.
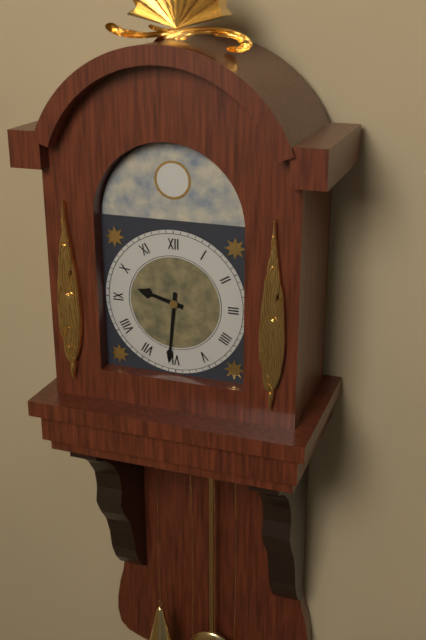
9:31
